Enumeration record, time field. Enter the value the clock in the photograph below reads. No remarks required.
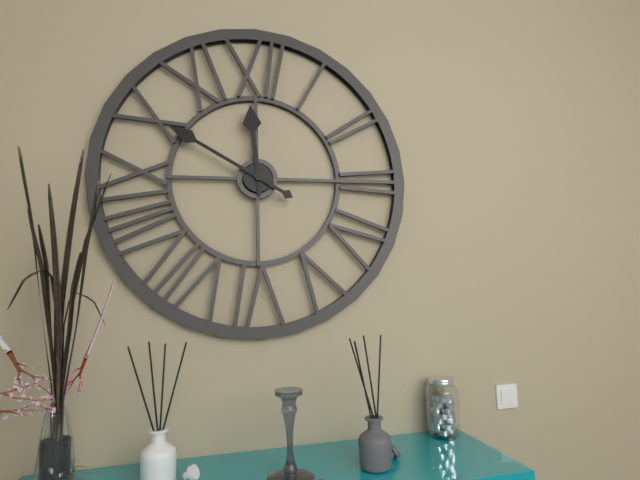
11:50
